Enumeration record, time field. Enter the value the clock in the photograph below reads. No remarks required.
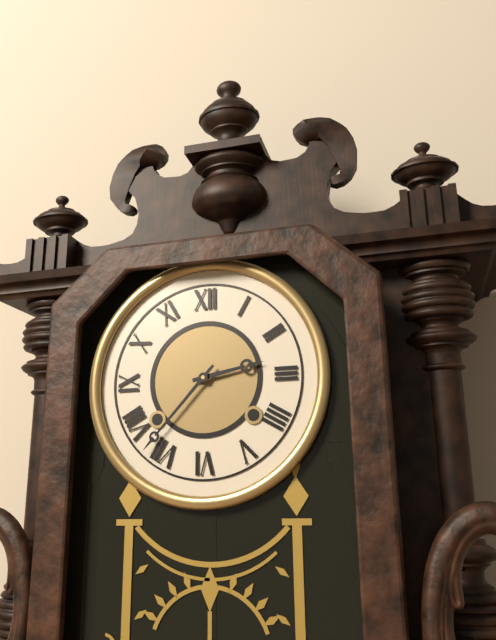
2:37
